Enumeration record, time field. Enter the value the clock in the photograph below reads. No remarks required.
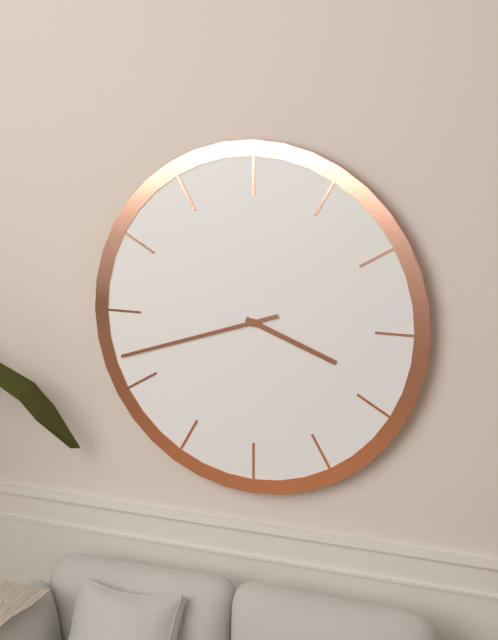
3:42
